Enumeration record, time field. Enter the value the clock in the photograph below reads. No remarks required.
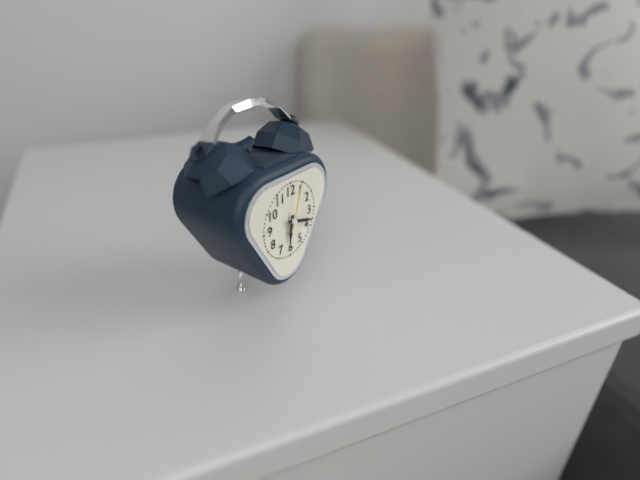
6:18
